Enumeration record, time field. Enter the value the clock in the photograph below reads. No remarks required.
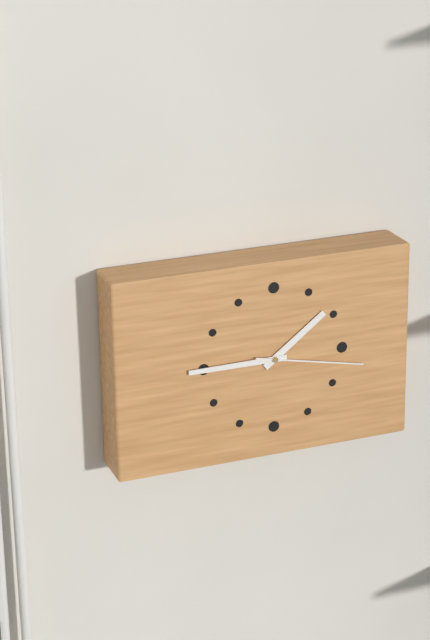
1:45:17
